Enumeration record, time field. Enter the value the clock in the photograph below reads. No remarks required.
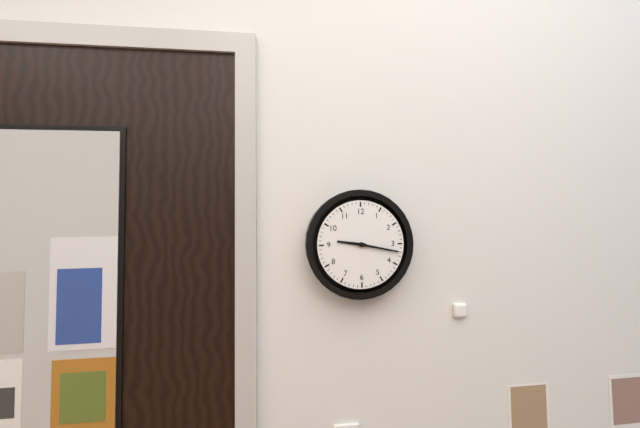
9:17
